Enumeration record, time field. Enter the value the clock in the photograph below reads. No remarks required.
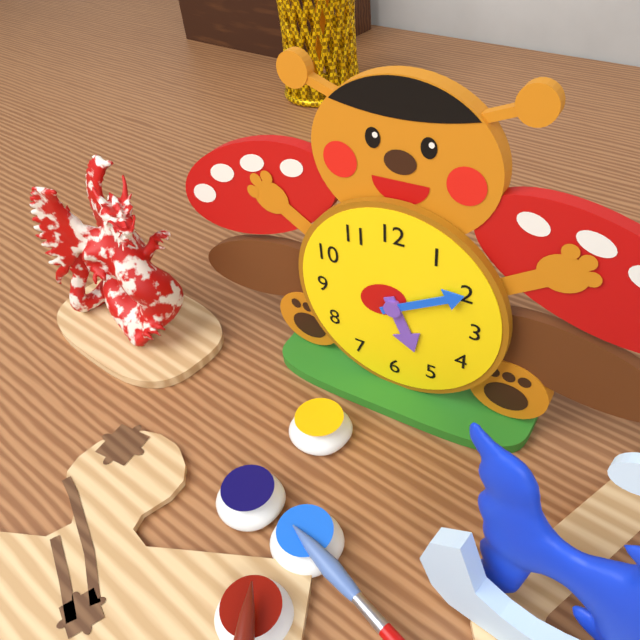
5:10
